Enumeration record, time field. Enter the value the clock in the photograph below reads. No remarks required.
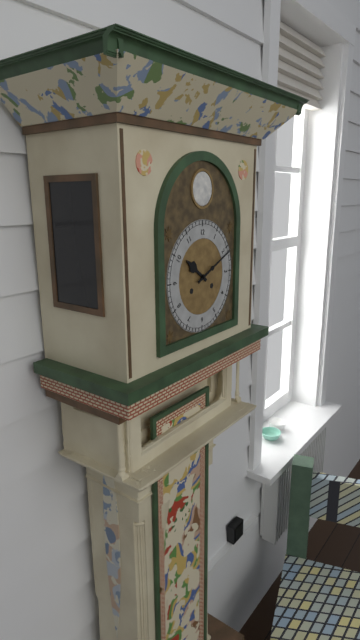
10:11
